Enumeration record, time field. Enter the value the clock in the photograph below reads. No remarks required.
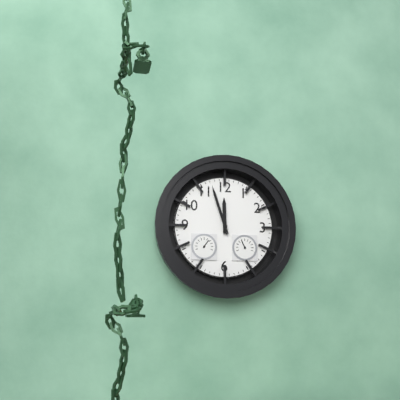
11:57
